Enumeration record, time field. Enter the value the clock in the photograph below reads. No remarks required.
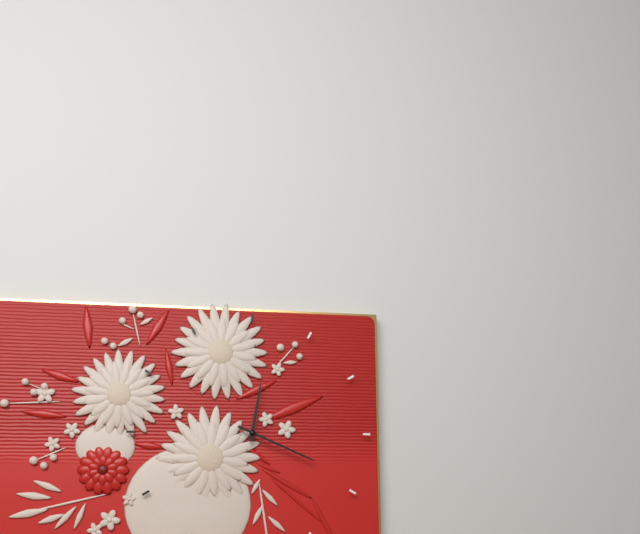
12:19
